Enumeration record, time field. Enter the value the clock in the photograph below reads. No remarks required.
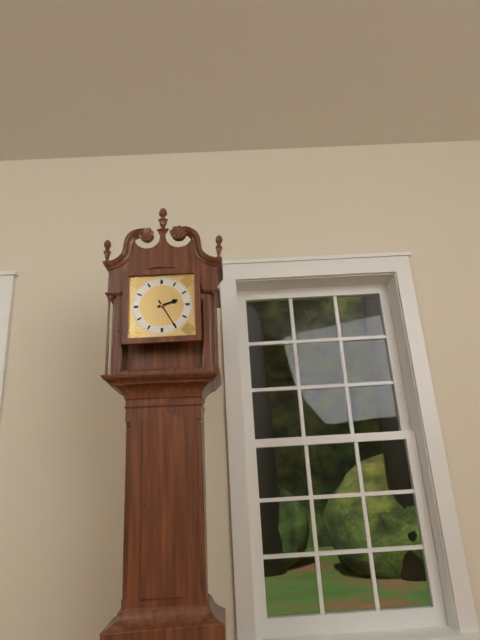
2:25
